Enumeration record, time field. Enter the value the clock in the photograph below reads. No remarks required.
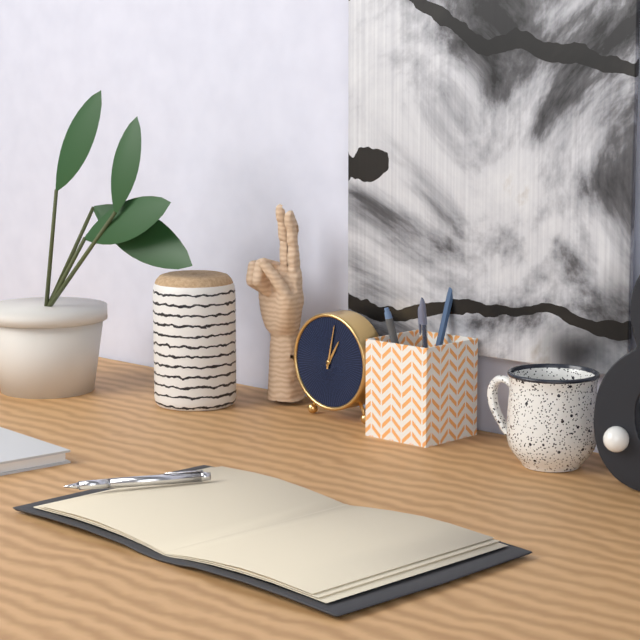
1:02
